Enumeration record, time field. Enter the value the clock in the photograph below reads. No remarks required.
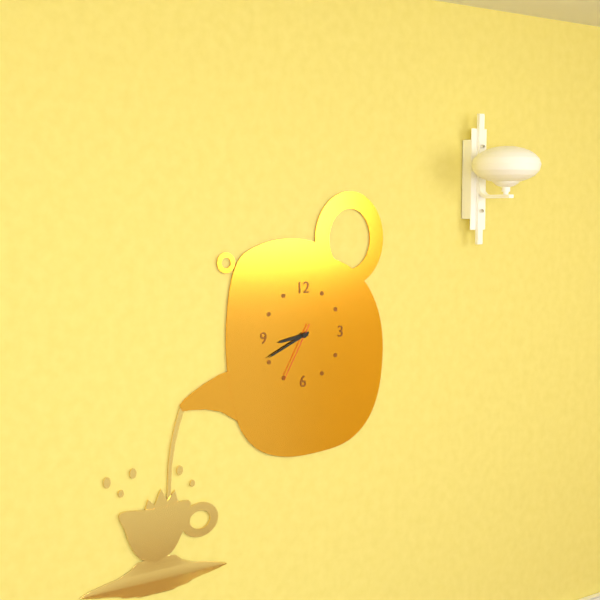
8:41:35
